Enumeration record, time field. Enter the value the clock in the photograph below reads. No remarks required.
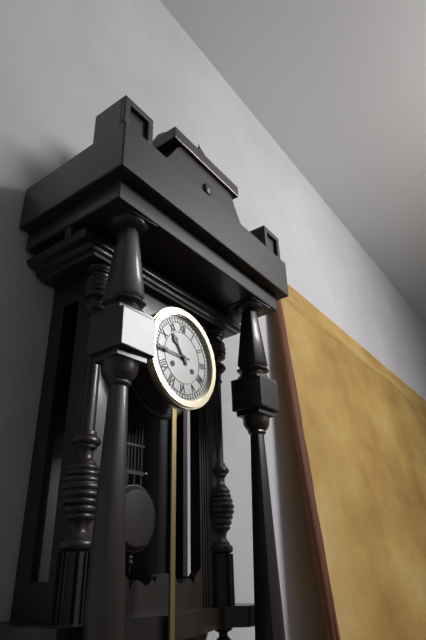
10:45
